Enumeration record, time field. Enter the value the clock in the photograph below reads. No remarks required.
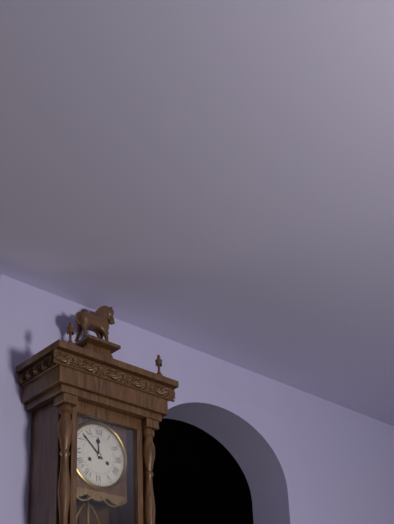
11:52
